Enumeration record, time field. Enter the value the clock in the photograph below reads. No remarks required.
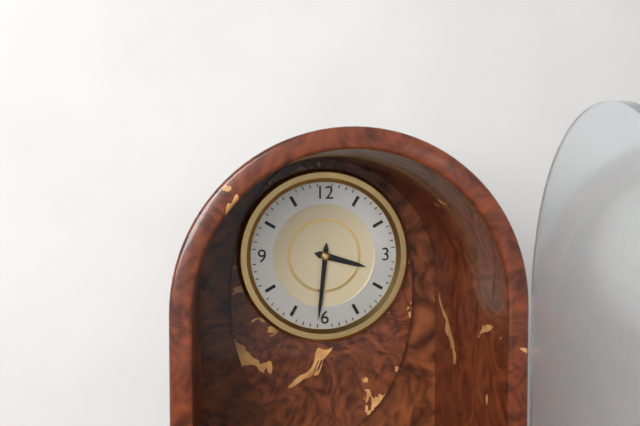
3:31
